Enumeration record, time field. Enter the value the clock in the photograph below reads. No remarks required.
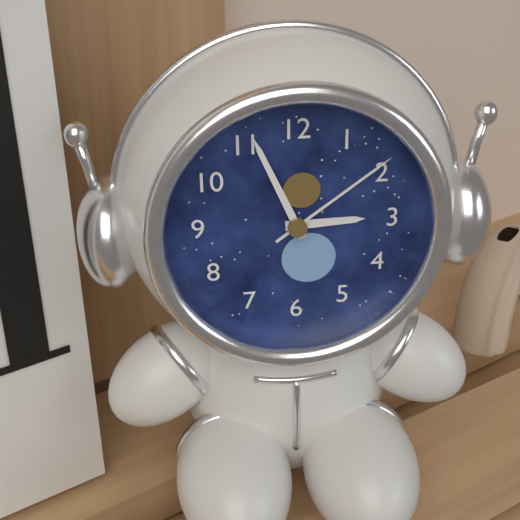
2:56:09
